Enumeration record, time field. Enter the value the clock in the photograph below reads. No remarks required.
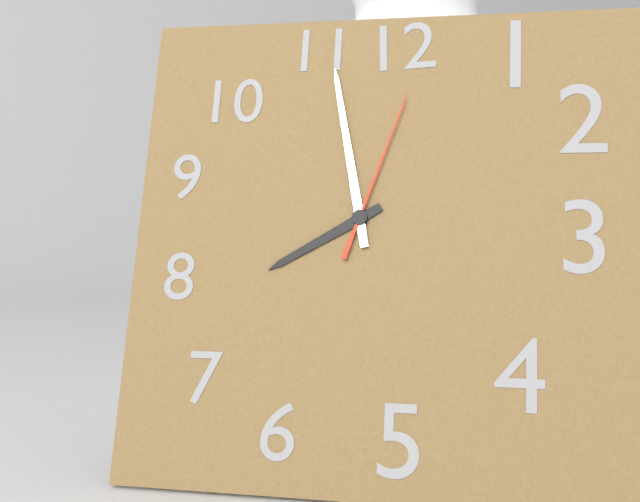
7:58:03
